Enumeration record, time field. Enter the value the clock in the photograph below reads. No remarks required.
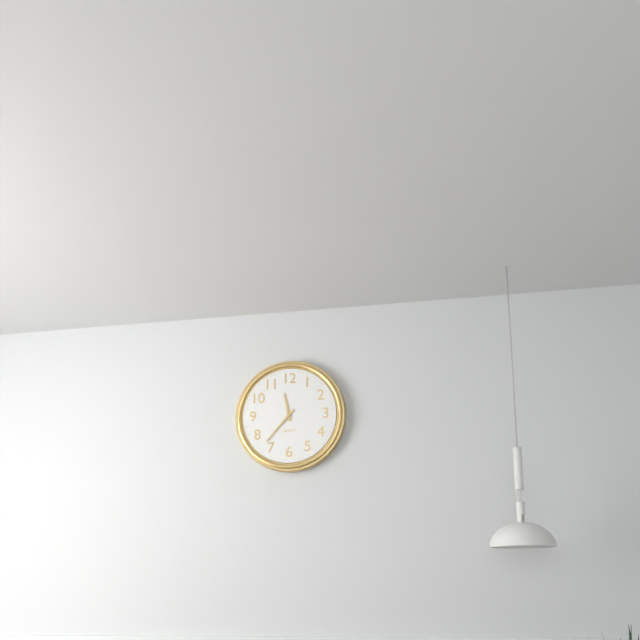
11:37
